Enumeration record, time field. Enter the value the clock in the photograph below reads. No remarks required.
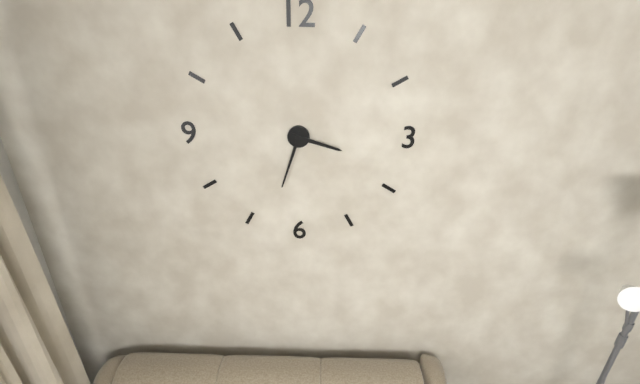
3:33
